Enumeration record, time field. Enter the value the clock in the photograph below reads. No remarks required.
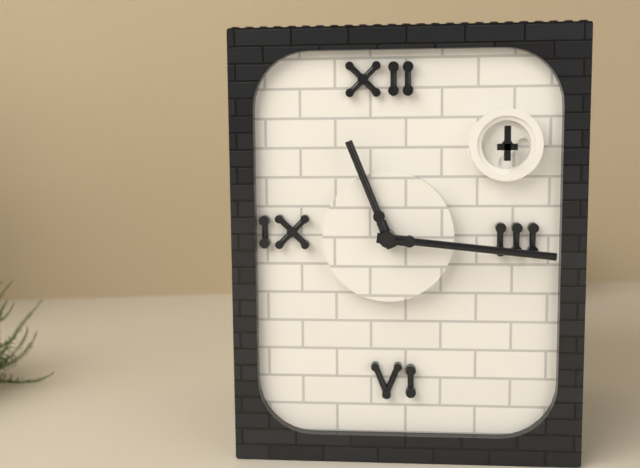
11:16
